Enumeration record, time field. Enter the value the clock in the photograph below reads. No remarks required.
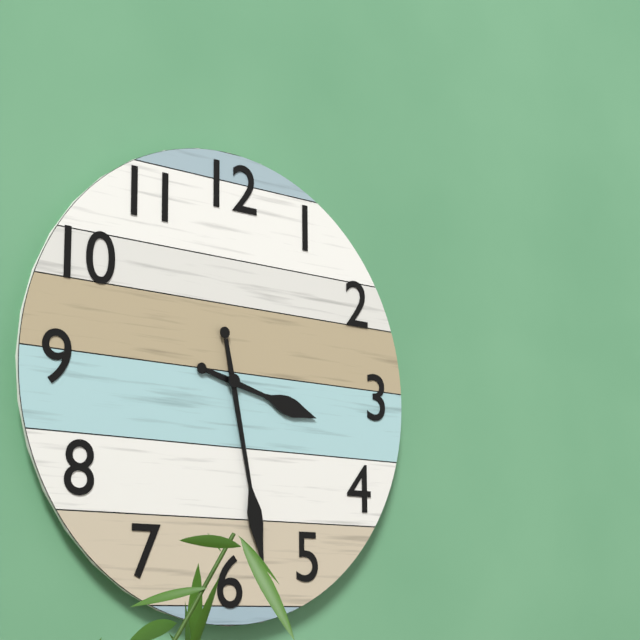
3:28
